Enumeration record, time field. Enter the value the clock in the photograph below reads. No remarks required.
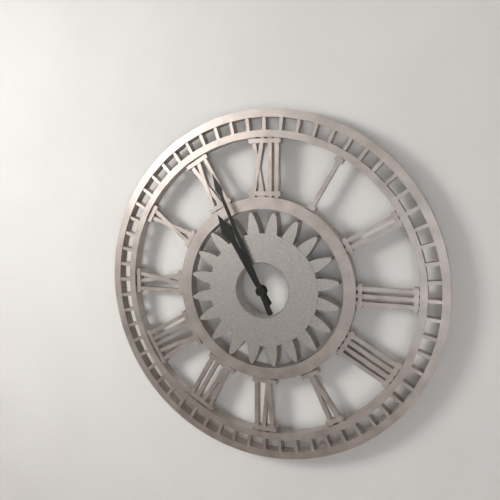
10:56
